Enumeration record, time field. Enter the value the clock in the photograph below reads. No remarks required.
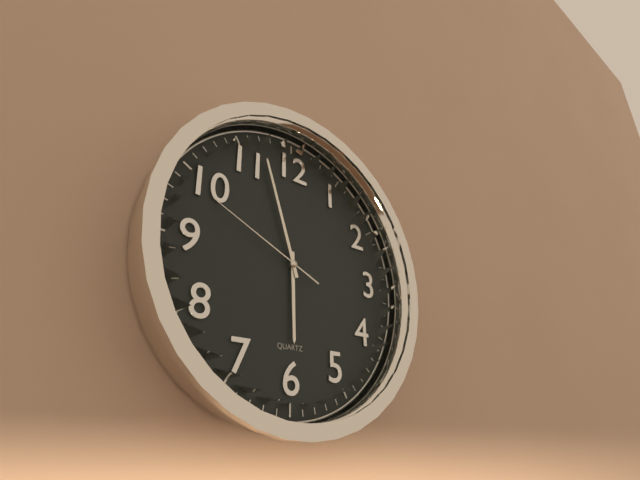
5:57:49
